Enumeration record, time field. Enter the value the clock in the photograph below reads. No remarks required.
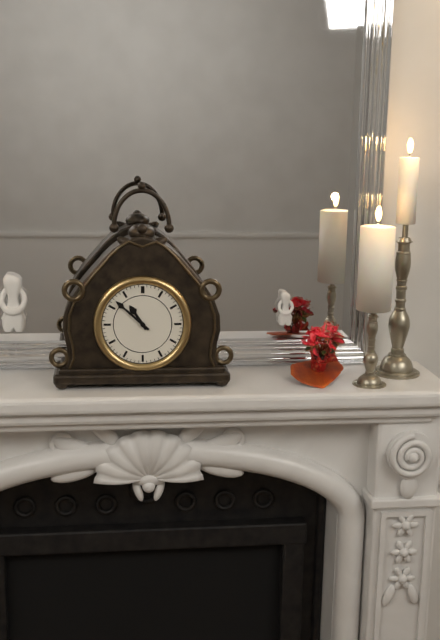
10:52
